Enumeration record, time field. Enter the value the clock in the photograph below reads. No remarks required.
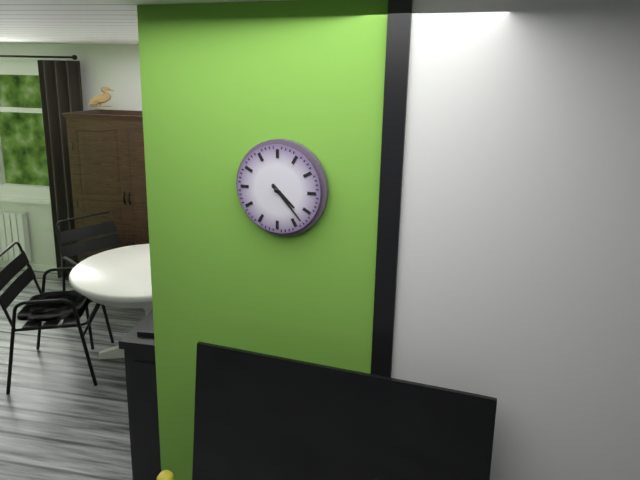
4:23
